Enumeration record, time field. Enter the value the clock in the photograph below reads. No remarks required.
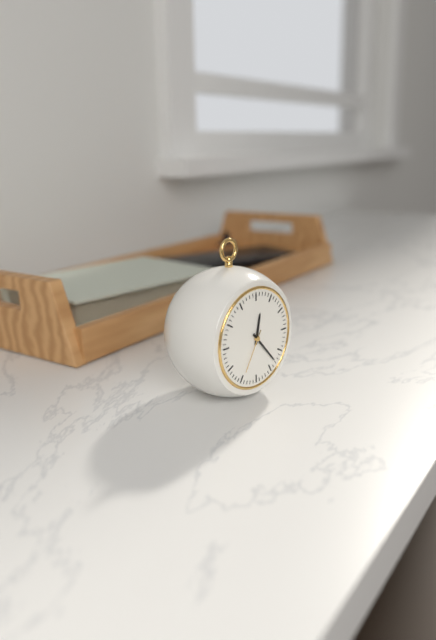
12:23
